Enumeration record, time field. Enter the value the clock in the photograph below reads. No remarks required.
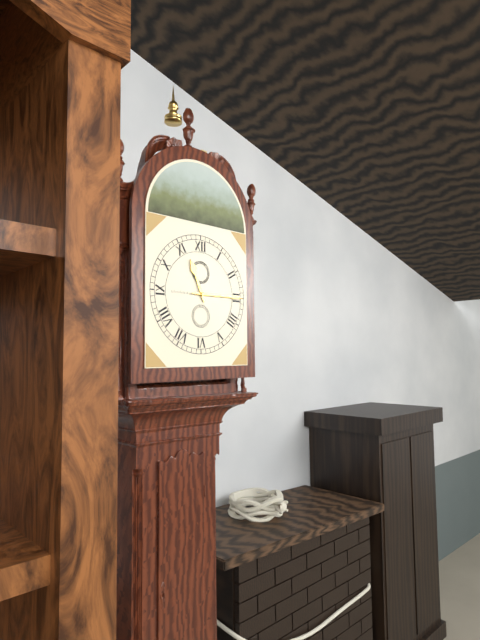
11:15
